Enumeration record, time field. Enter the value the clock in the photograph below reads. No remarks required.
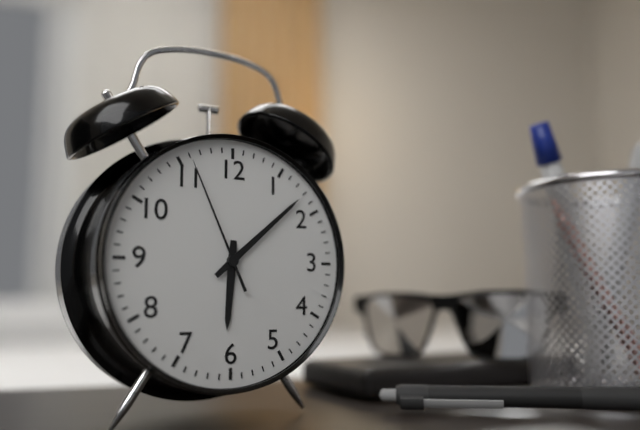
6:08:56
